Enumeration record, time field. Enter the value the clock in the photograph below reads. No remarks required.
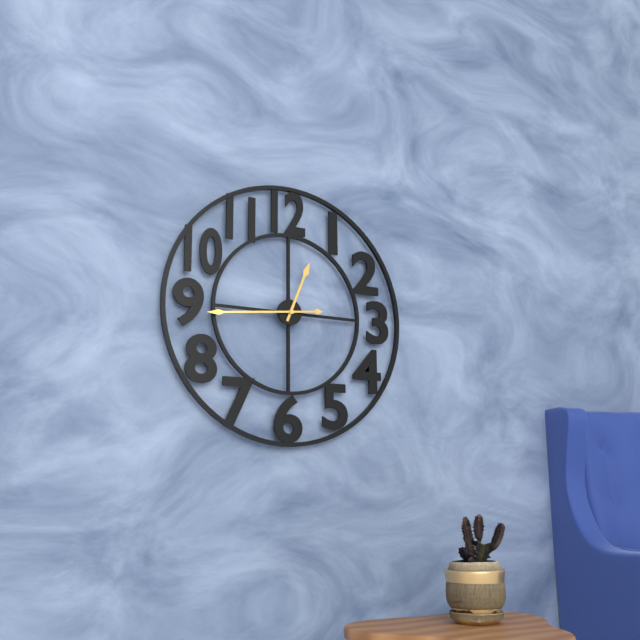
12:44
